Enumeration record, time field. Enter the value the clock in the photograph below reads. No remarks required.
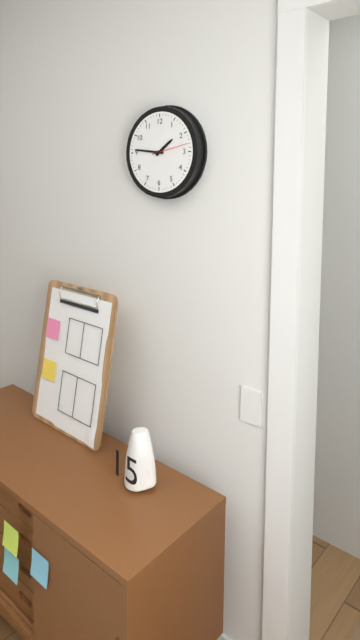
1:46
